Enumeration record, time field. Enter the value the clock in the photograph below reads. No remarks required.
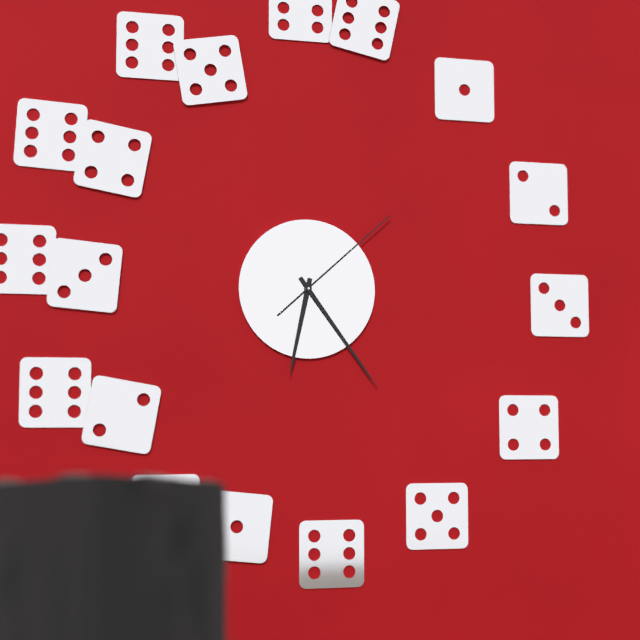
6:24:08
